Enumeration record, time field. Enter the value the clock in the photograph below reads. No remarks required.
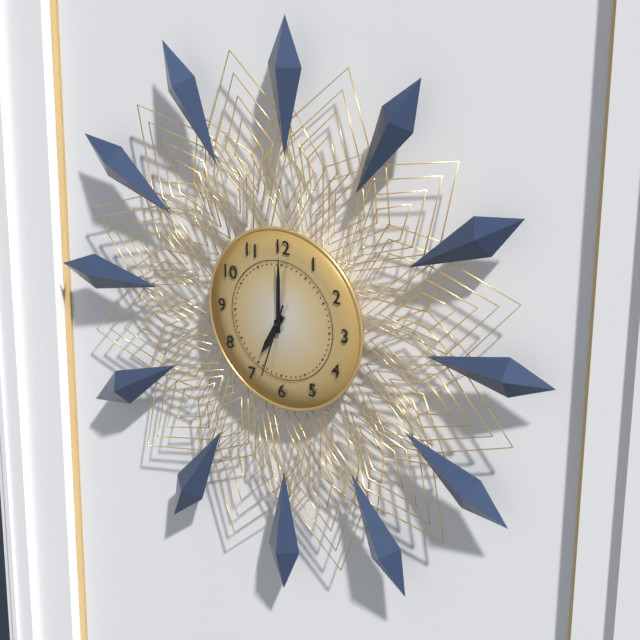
7:00:33
